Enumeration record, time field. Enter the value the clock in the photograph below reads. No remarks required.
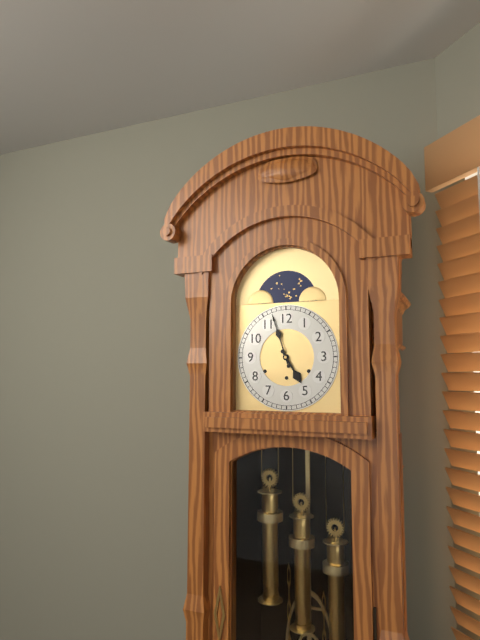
4:57
